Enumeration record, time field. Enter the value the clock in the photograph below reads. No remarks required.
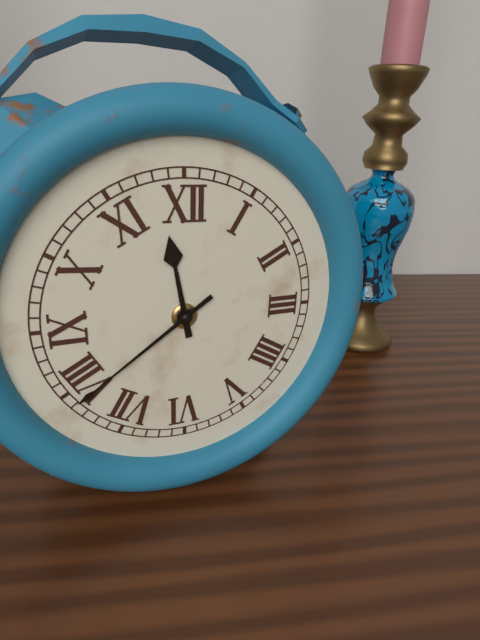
11:39
